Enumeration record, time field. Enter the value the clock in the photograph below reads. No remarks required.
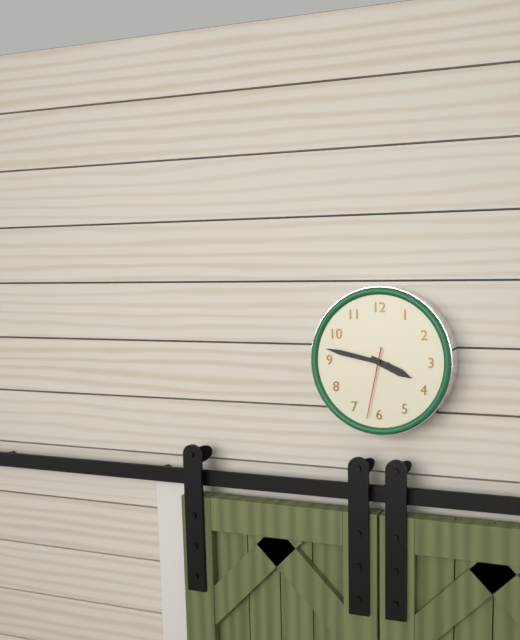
3:47:32
